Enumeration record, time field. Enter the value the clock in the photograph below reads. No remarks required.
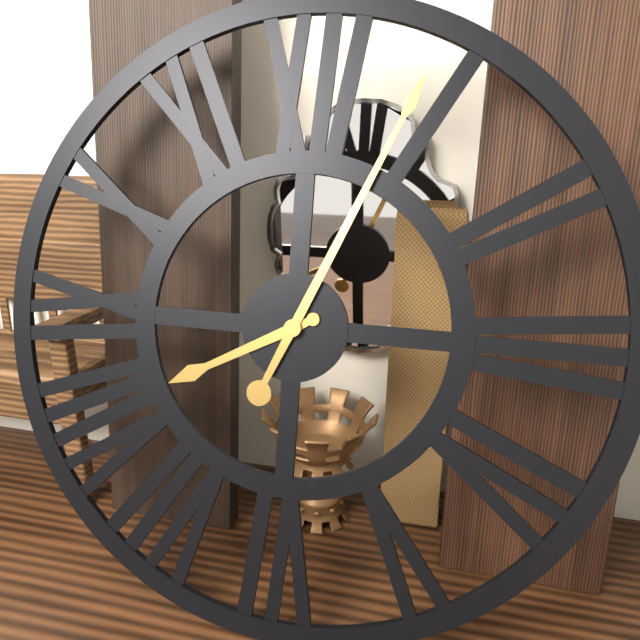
8:04
